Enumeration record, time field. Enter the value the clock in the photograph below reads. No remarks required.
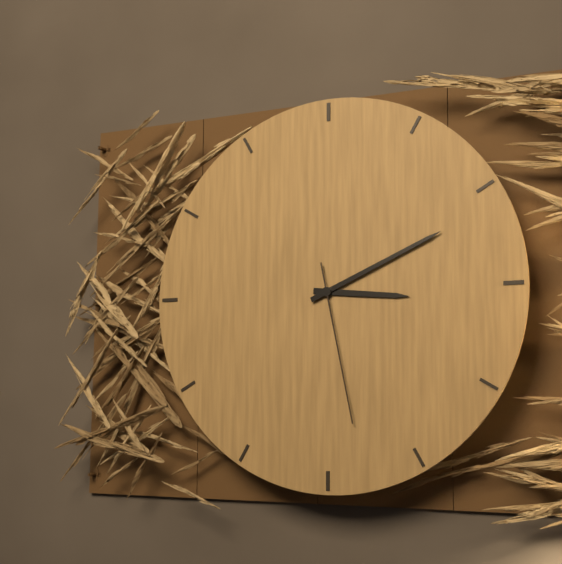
3:11:28
